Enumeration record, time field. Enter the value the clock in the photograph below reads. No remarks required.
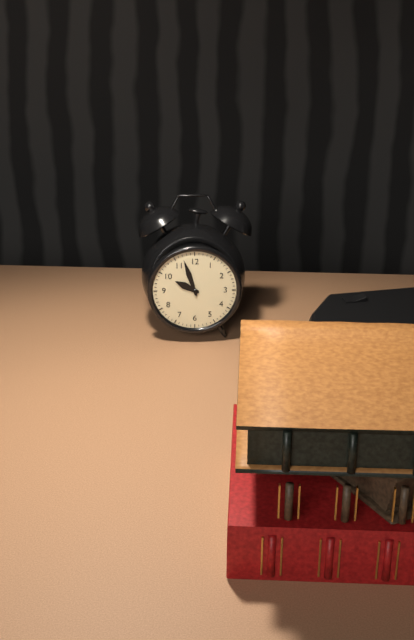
9:57
